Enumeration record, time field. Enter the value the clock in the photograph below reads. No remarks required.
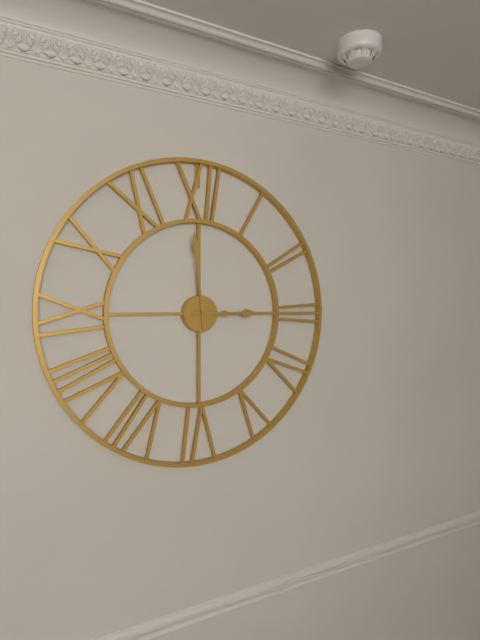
2:59
